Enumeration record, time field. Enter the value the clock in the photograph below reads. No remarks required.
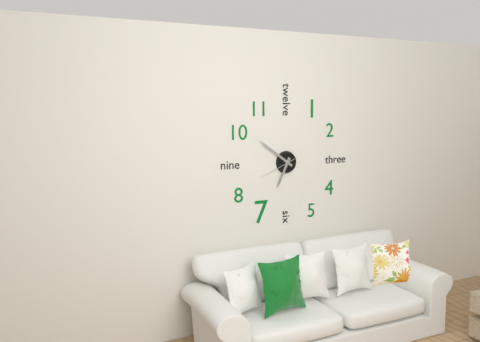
6:51
